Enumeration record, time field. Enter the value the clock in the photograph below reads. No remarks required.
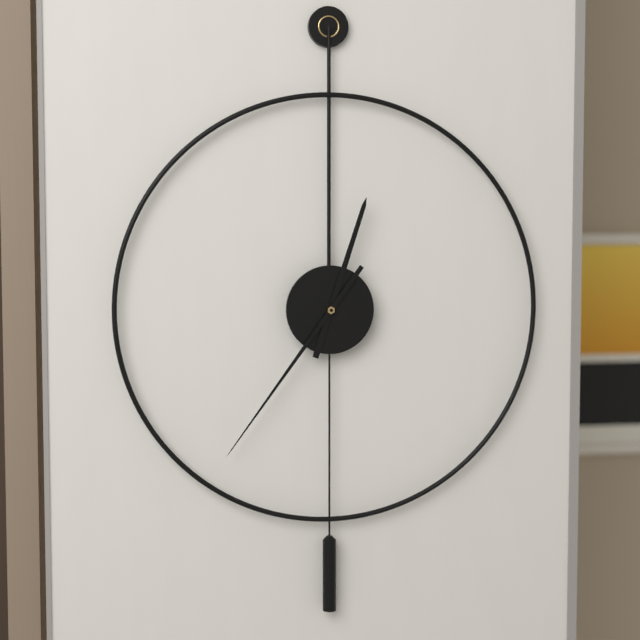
12:36
